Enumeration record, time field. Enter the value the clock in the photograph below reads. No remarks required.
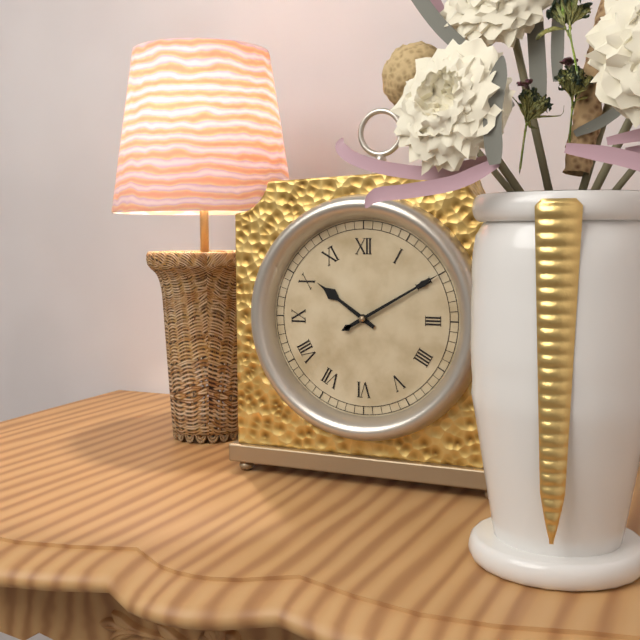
10:10
